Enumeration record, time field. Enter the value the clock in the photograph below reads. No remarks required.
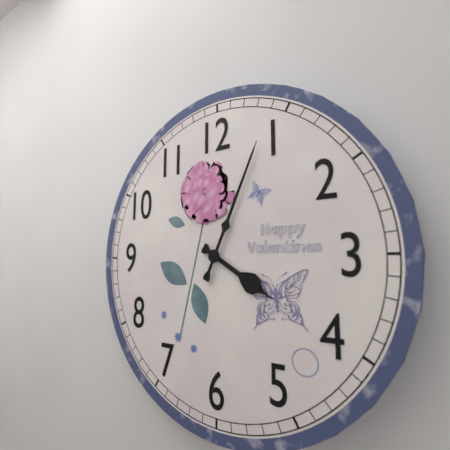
4:04
